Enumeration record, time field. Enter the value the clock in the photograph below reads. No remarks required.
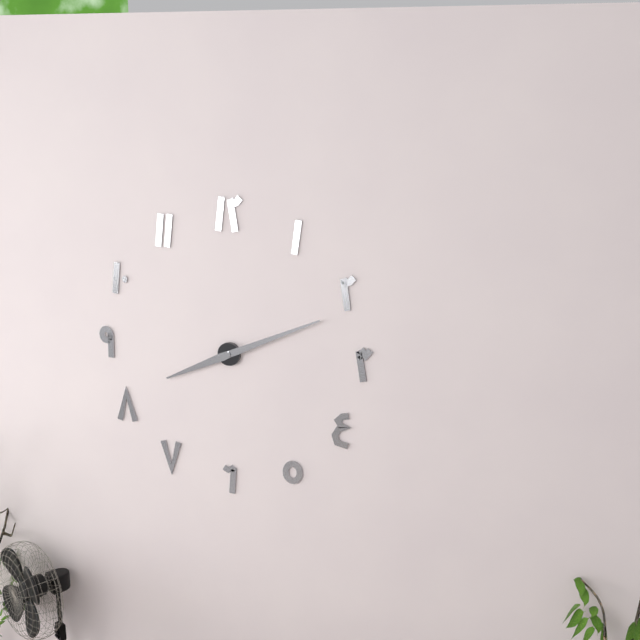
8:11
